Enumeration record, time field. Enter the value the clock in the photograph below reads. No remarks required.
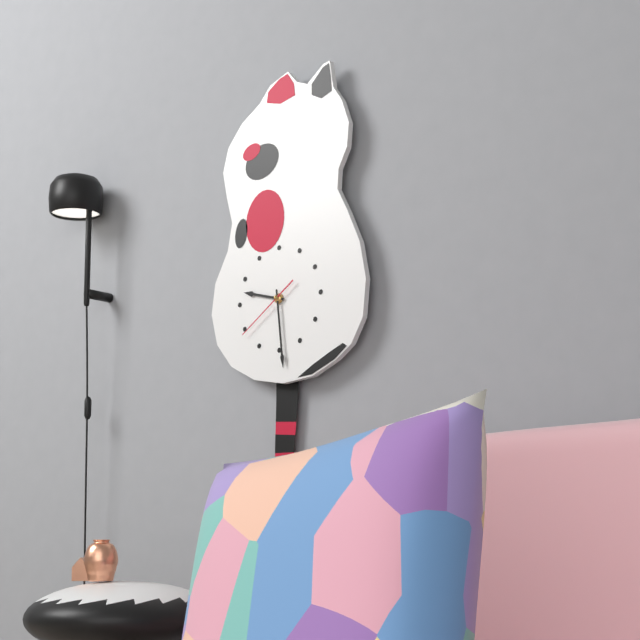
9:29:39
